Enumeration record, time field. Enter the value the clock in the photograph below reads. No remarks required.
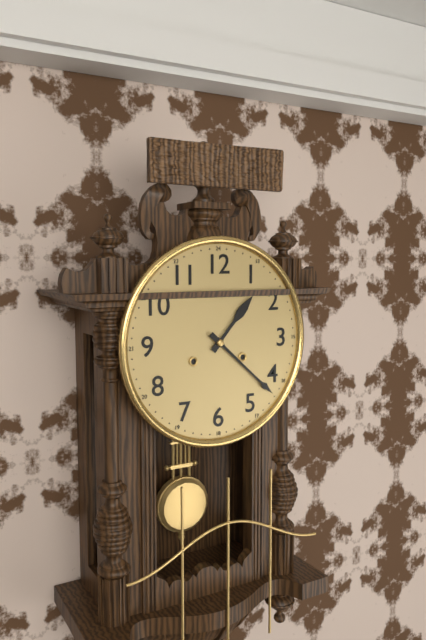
1:22
